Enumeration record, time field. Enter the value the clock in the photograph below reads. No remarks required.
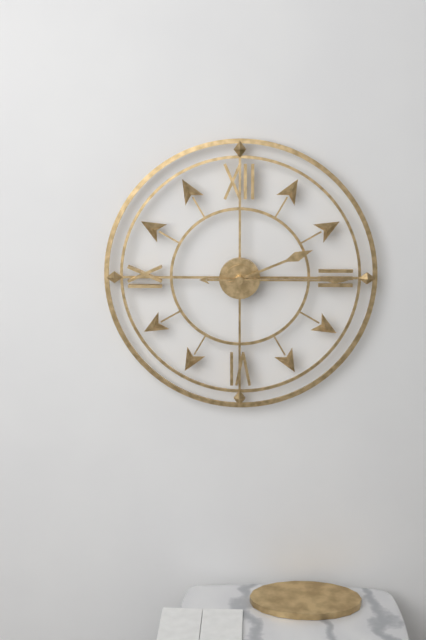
2:15
